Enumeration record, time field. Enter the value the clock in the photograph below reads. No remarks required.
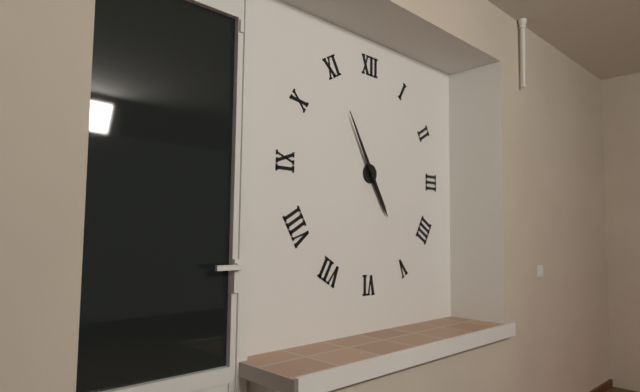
4:55
